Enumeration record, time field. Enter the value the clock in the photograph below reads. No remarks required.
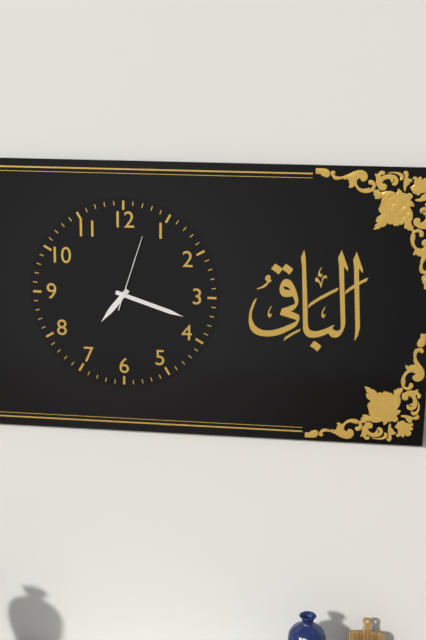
7:18:03
